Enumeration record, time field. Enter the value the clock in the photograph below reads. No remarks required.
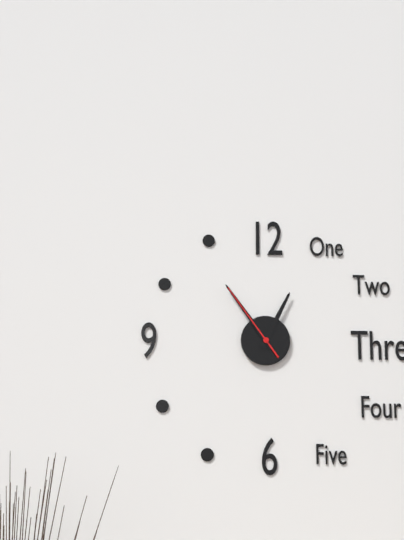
12:54:54
